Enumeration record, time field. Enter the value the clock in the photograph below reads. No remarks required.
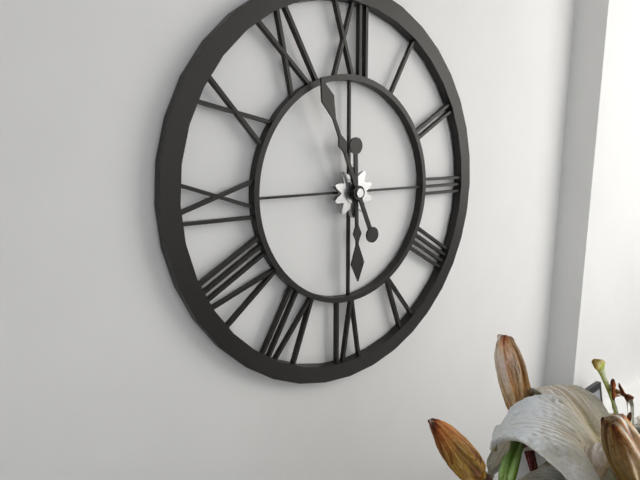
5:56
